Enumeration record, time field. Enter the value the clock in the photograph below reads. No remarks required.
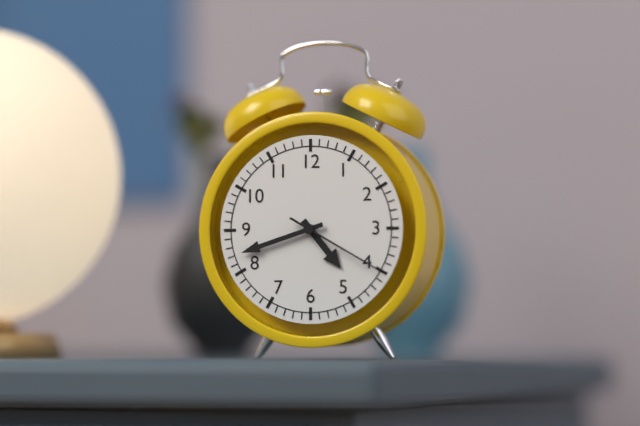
4:42:20
